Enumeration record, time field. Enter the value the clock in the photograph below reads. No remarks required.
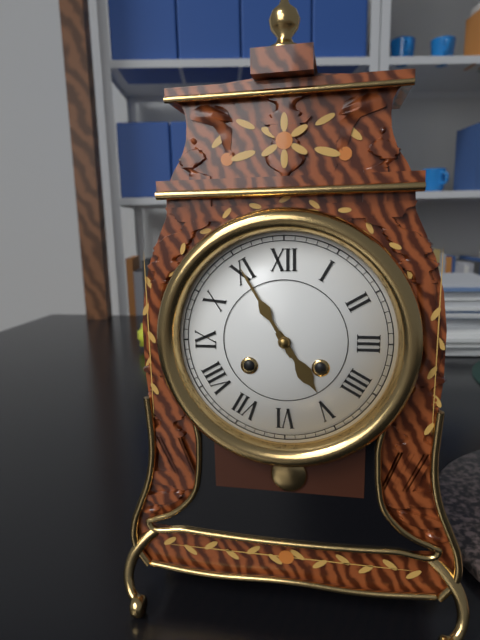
4:55
